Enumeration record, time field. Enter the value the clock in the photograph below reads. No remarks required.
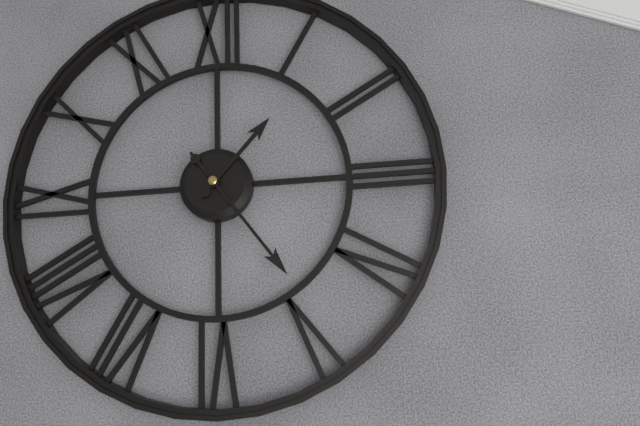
1:24
